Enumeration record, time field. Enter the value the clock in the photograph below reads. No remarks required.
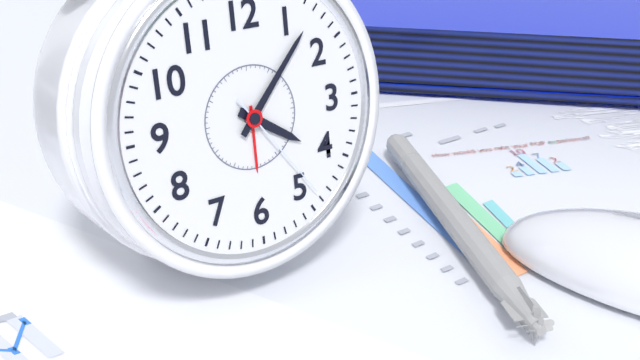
4:07:24
